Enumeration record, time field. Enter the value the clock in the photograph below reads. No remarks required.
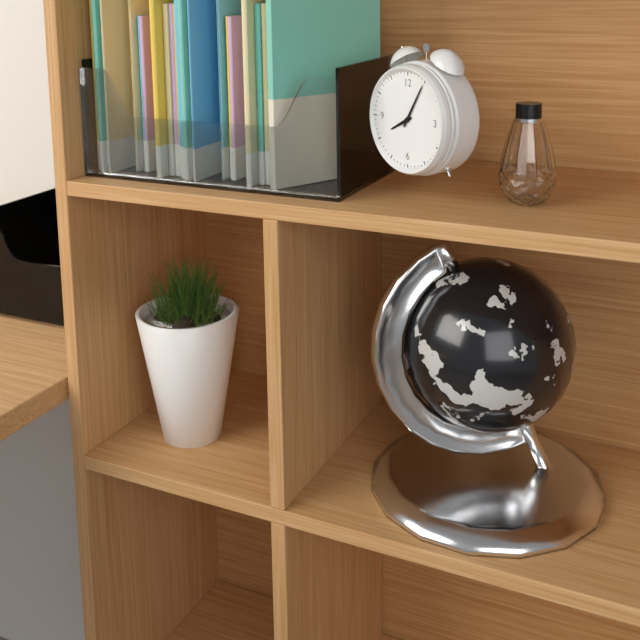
8:05
